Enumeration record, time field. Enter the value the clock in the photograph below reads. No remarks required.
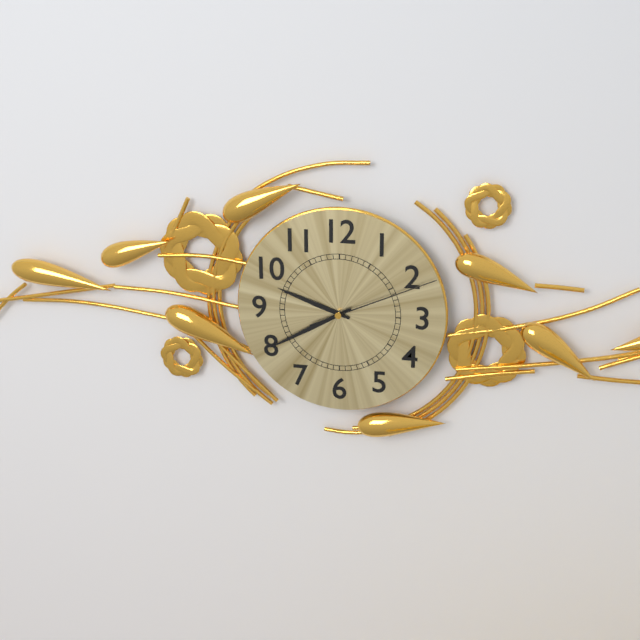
9:40:11
